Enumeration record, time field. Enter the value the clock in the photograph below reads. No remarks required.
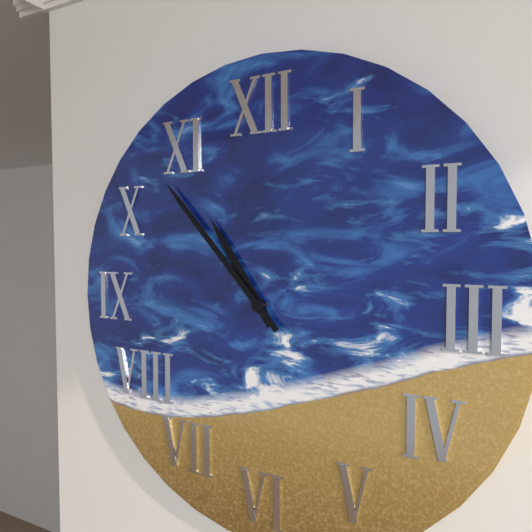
10:53
